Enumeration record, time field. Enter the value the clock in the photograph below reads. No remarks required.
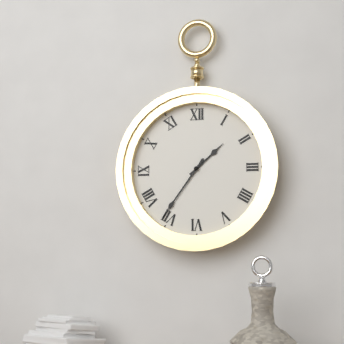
1:36
